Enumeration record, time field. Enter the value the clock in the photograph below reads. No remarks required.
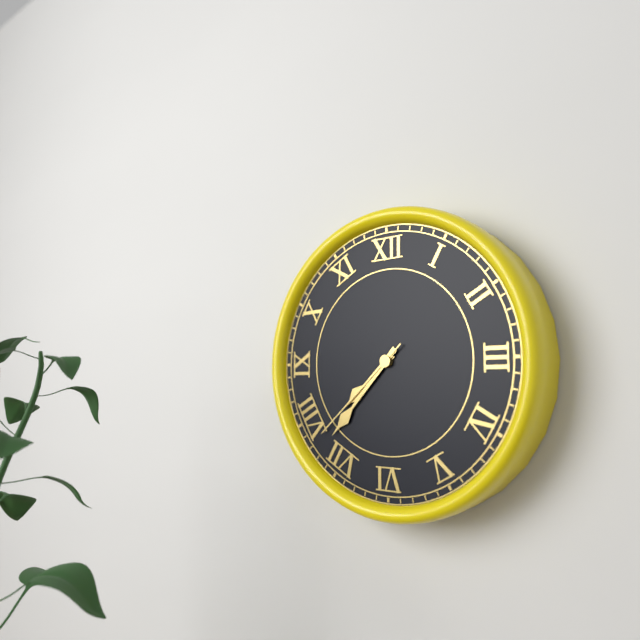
7:37:38
